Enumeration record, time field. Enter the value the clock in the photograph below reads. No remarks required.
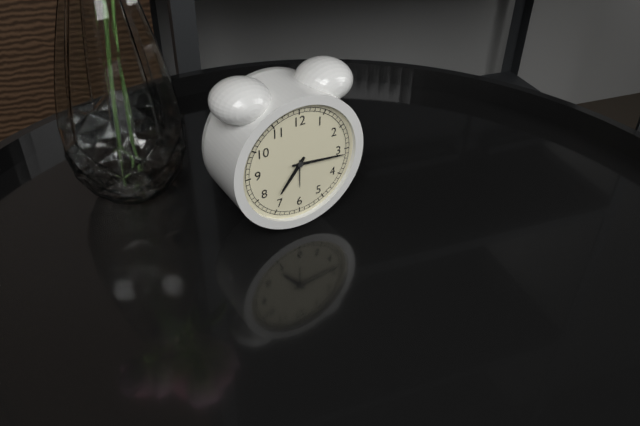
7:16
